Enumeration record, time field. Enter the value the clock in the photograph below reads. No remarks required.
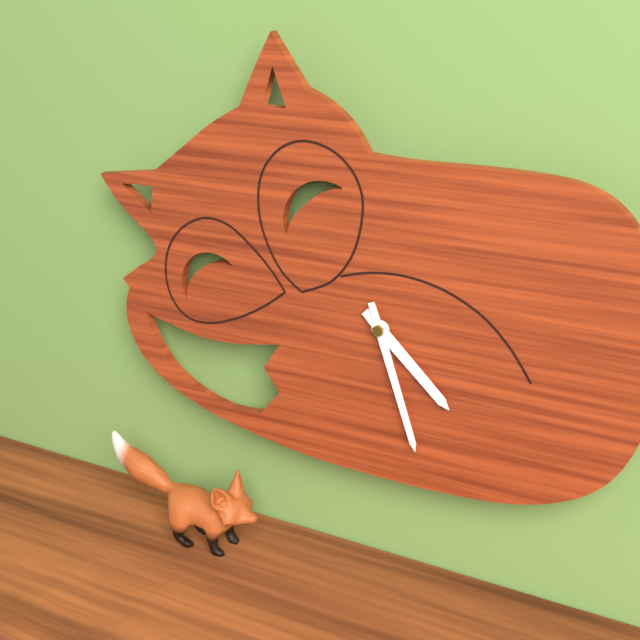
4:27
